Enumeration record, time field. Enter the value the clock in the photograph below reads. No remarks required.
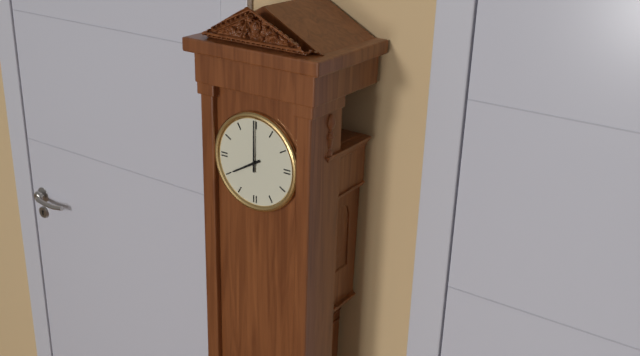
8:00
